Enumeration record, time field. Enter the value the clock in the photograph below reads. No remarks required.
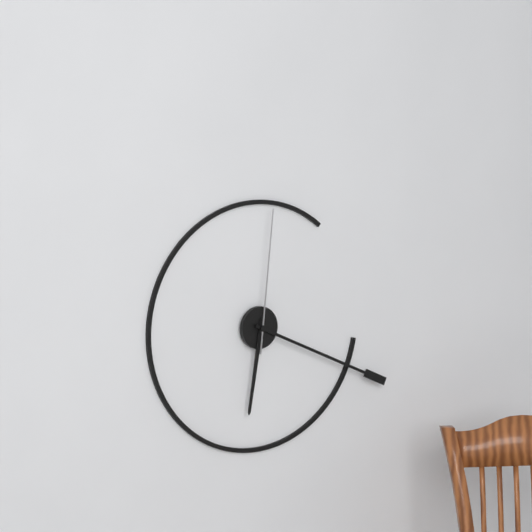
6:19:01
